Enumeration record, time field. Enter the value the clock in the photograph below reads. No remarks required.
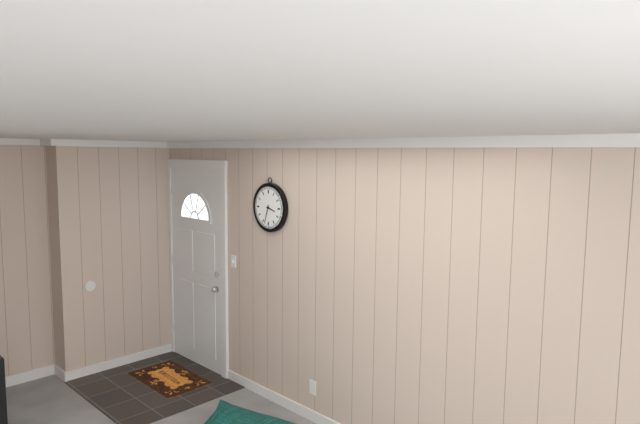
3:33
